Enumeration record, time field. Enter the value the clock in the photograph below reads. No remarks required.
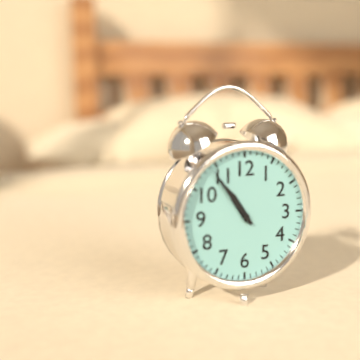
10:54
